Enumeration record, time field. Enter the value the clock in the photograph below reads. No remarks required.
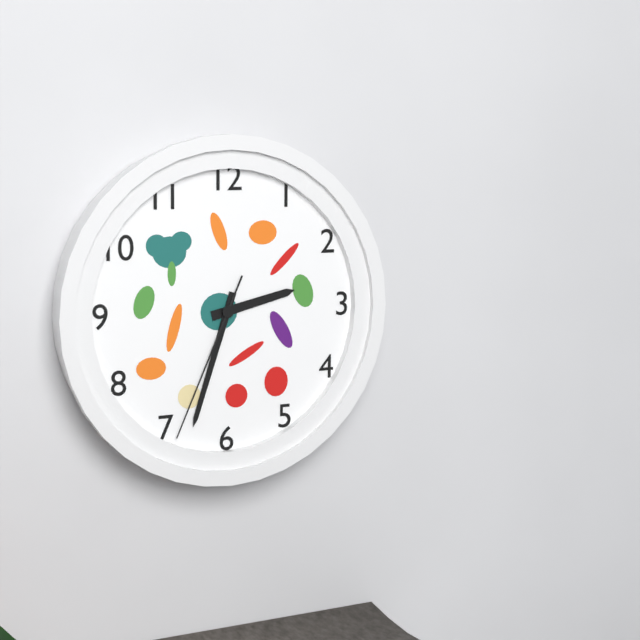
2:33:34
